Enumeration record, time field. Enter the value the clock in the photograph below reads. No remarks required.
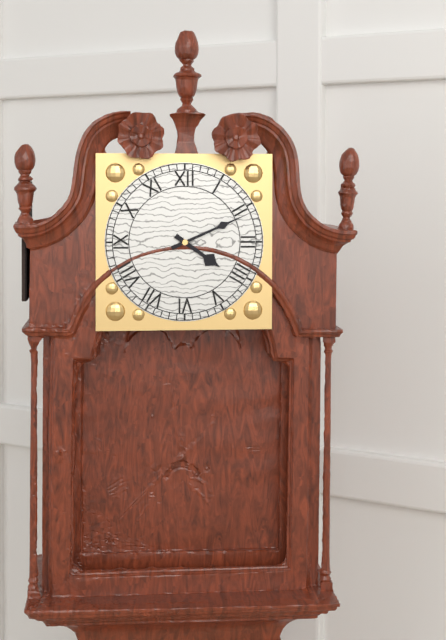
4:11
